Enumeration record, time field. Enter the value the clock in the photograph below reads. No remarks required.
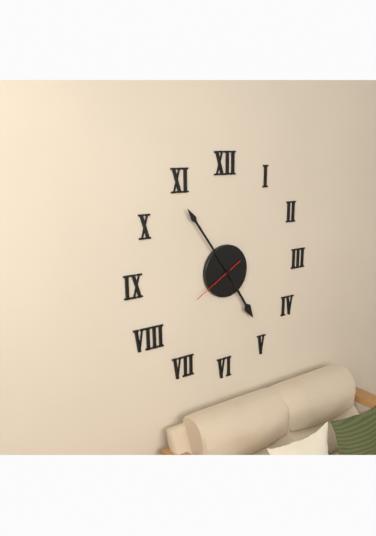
4:54
